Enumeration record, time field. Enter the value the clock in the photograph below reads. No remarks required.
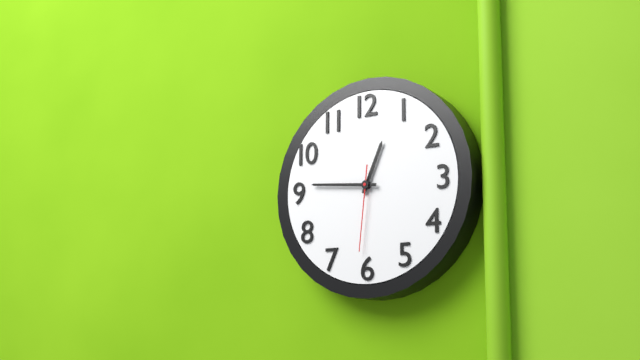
12:46:31
